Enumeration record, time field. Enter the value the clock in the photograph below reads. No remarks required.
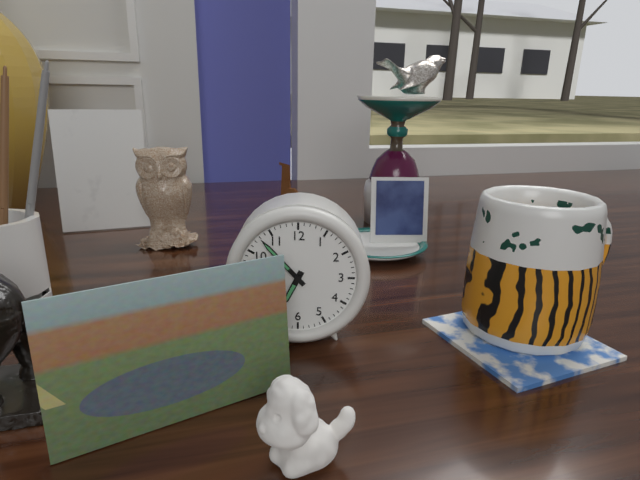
6:53
